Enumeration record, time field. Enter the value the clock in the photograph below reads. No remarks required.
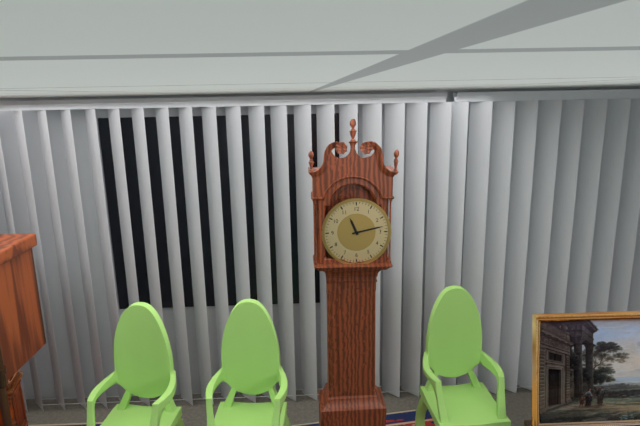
11:13
